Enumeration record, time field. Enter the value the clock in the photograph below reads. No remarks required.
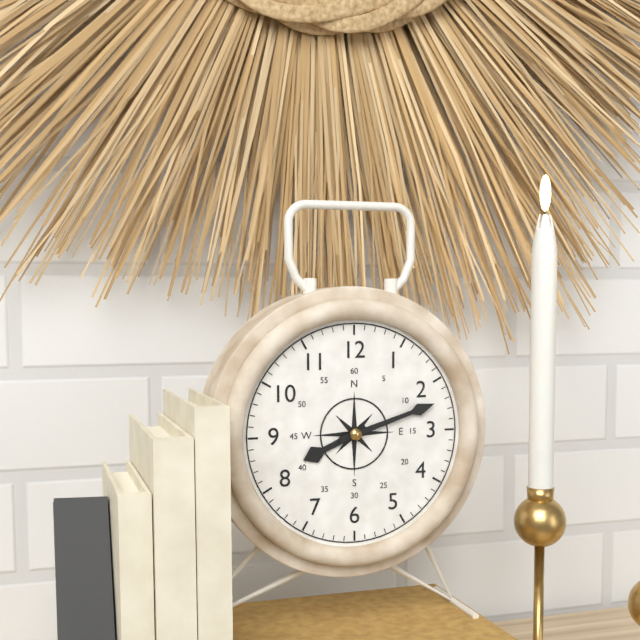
8:12
